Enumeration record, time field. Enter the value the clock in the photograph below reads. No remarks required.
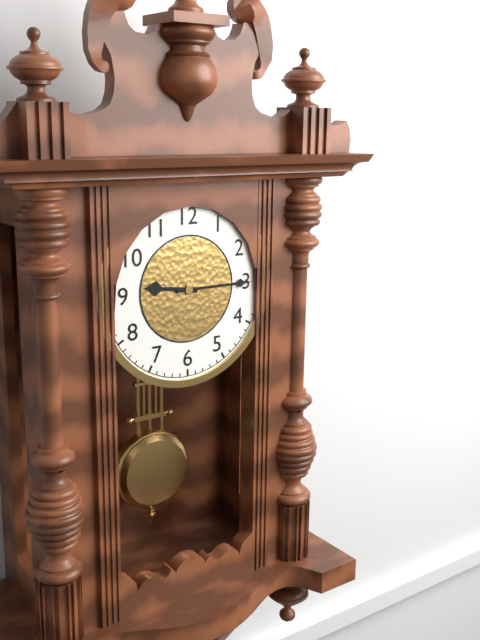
9:15
